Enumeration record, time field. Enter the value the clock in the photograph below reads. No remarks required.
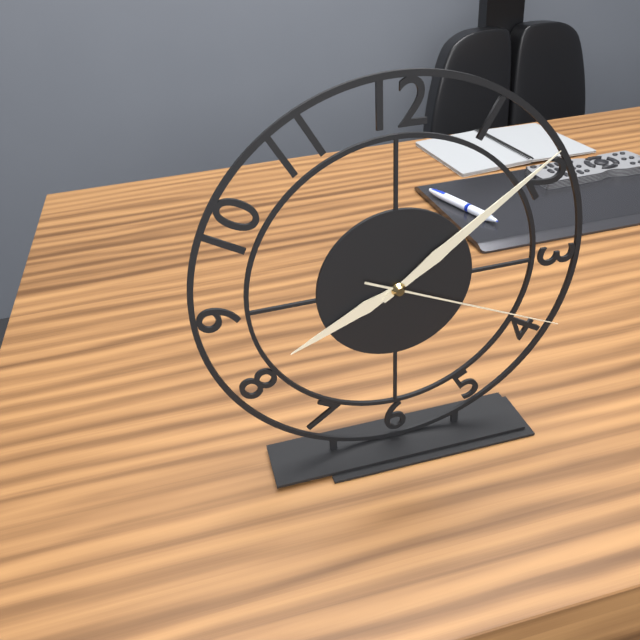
8:09:19
